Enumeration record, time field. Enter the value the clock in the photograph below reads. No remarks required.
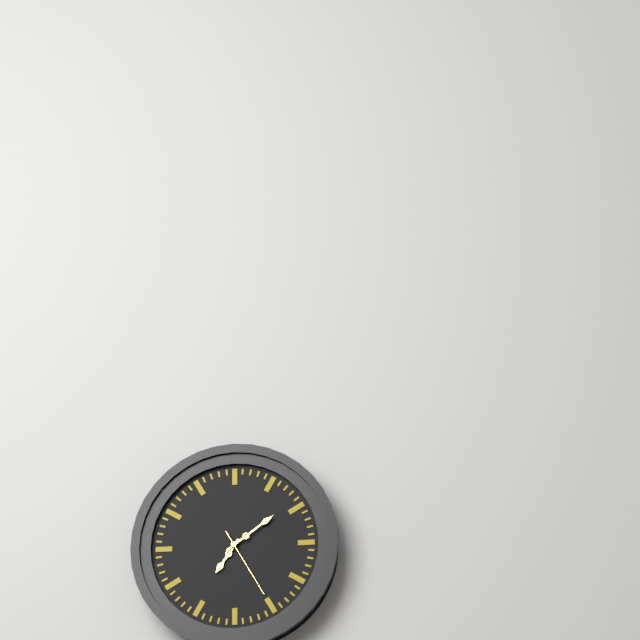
7:09:25
